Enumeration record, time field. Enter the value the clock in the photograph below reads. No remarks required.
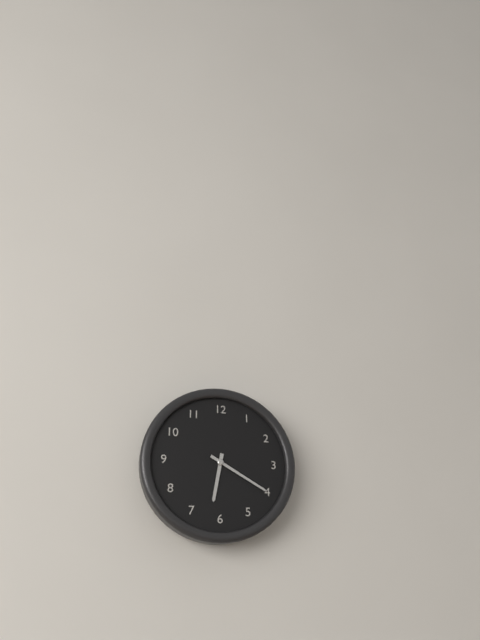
6:20
